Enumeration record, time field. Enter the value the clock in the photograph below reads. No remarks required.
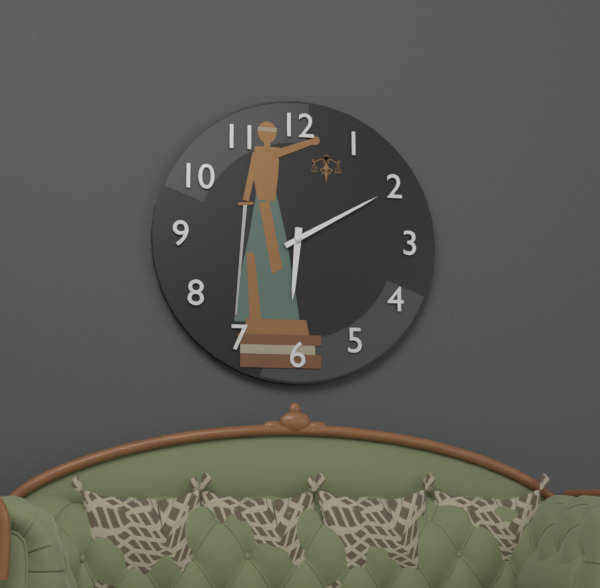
6:10
